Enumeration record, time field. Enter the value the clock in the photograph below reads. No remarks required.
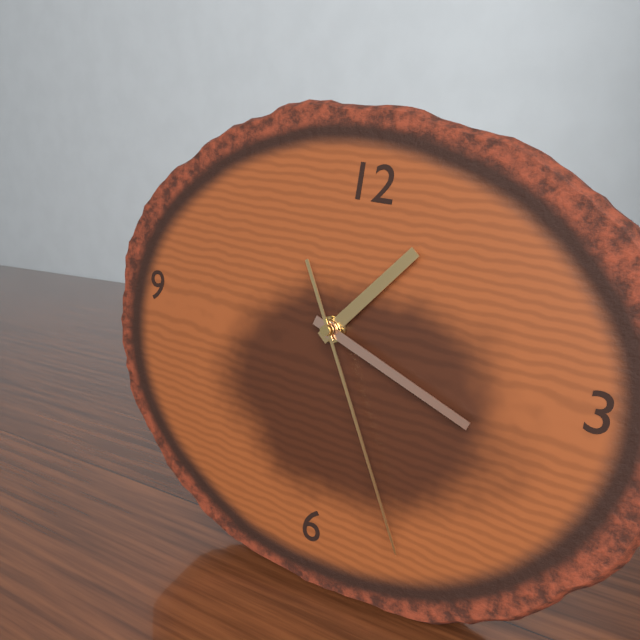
1:18:25
